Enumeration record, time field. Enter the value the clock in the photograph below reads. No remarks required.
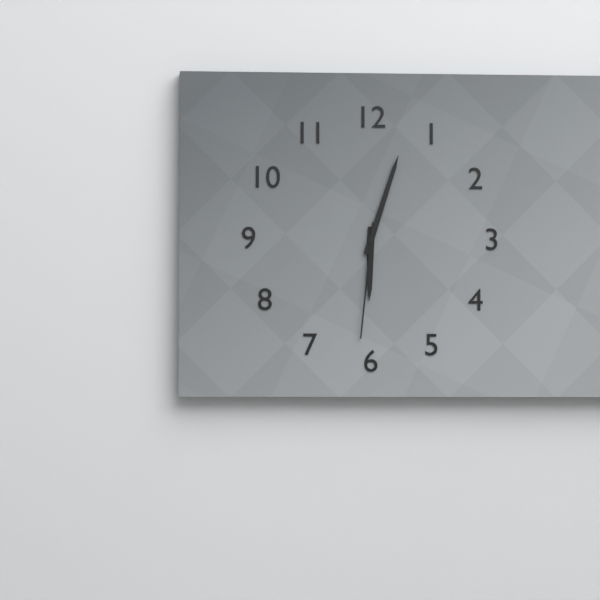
6:03:31
